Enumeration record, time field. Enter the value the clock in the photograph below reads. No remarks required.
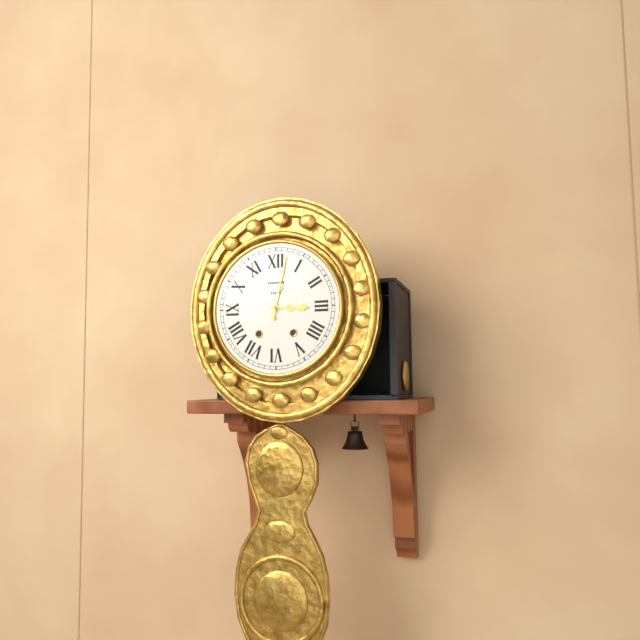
3:02
